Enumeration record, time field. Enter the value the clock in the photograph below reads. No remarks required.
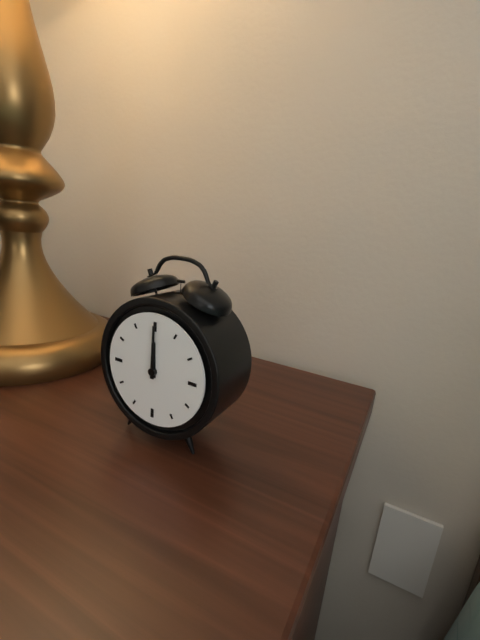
12:00
